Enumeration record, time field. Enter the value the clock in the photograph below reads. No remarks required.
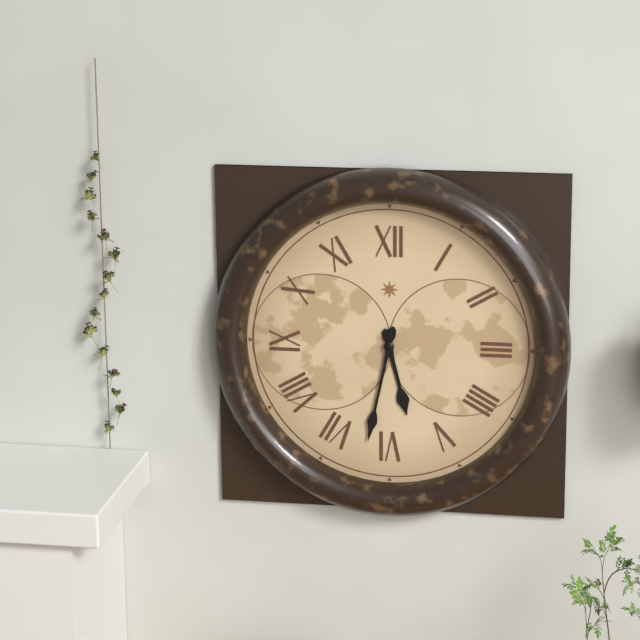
5:32
